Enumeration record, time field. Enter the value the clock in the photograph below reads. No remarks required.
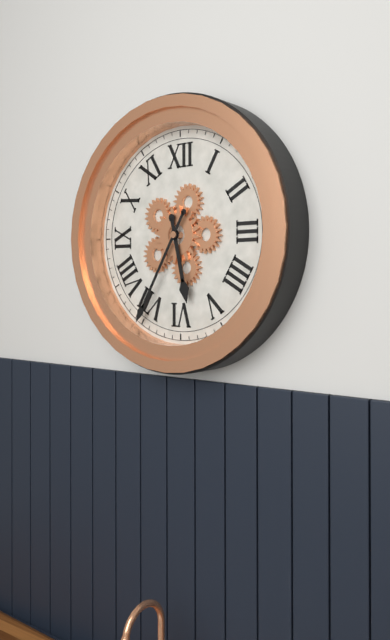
5:35
